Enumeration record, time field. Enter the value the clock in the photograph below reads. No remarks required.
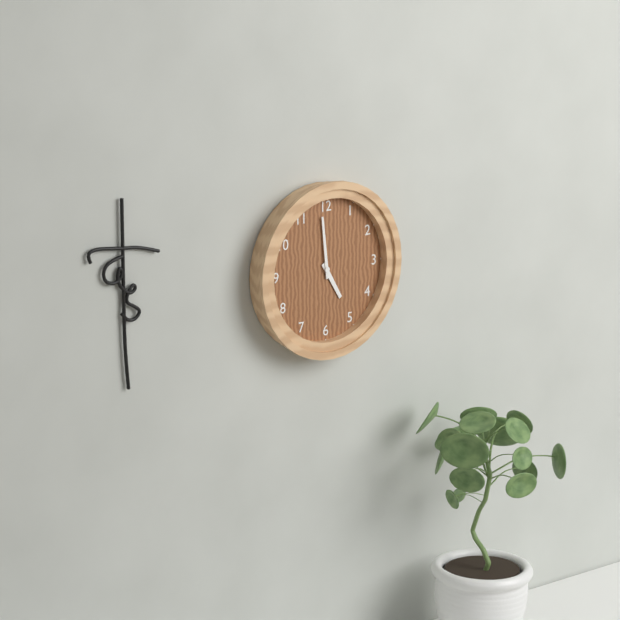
4:59
